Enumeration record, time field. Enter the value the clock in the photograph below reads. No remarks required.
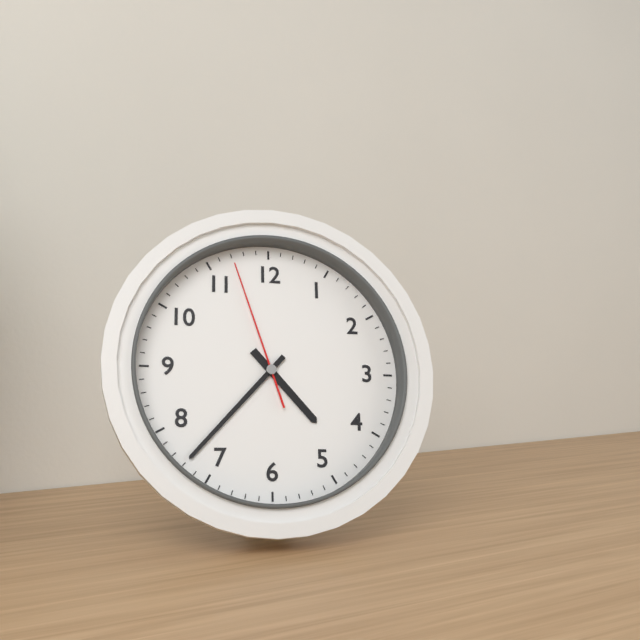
4:37:57
